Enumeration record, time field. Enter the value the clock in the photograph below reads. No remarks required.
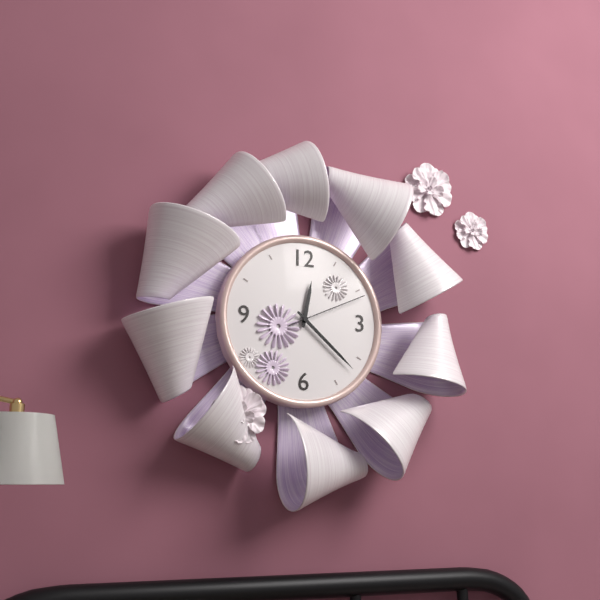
12:22:11
